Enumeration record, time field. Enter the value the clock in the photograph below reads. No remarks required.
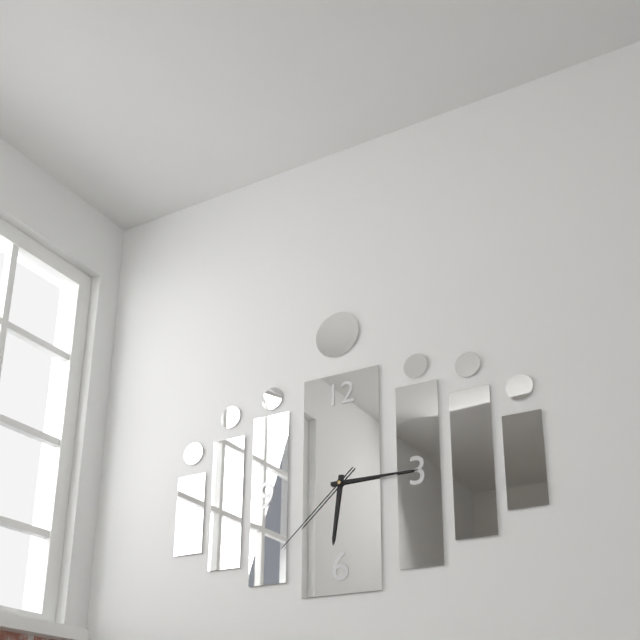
6:15:38
